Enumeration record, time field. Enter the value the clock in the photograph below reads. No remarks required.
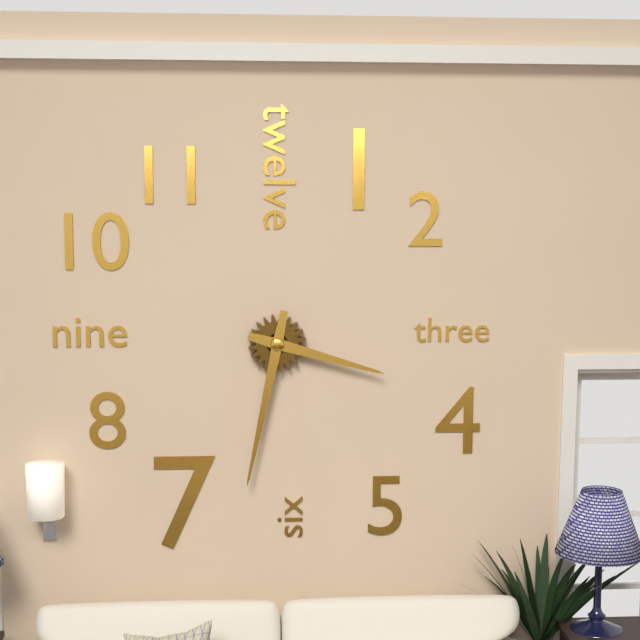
3:32
